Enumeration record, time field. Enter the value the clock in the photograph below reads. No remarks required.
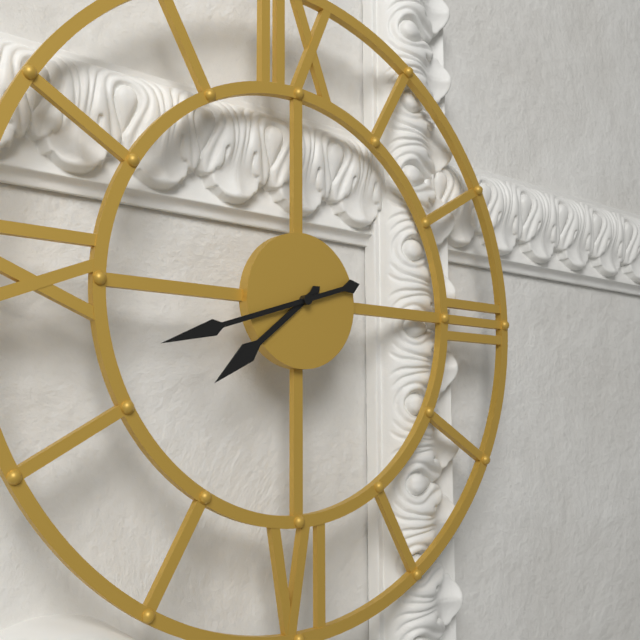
7:42
